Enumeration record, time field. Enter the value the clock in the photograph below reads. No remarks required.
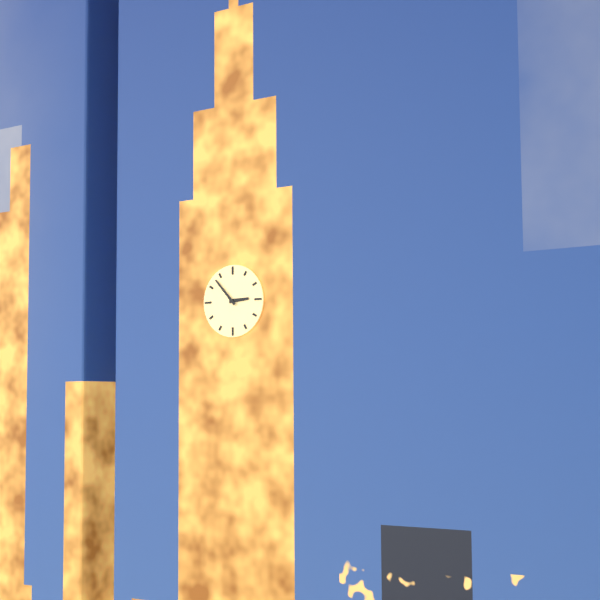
2:53
